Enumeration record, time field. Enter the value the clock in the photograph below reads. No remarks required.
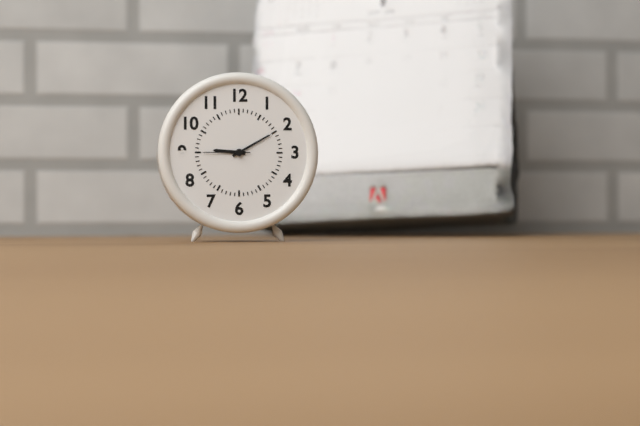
9:10
